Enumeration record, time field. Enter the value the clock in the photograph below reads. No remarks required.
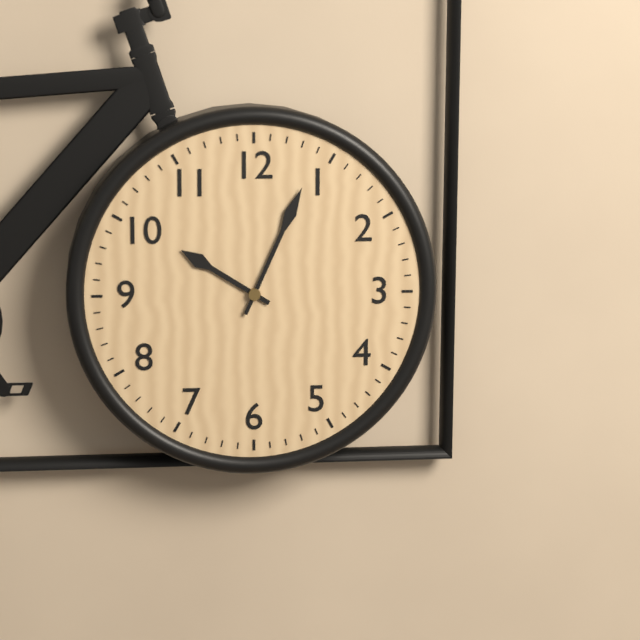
10:04
